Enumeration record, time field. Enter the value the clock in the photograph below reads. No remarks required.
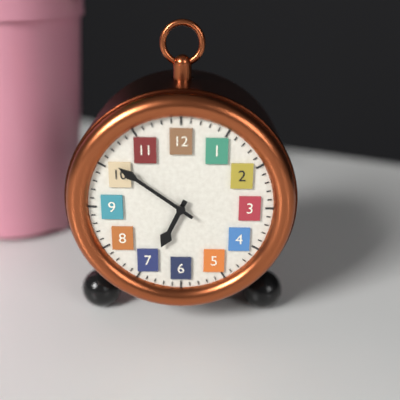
6:51
